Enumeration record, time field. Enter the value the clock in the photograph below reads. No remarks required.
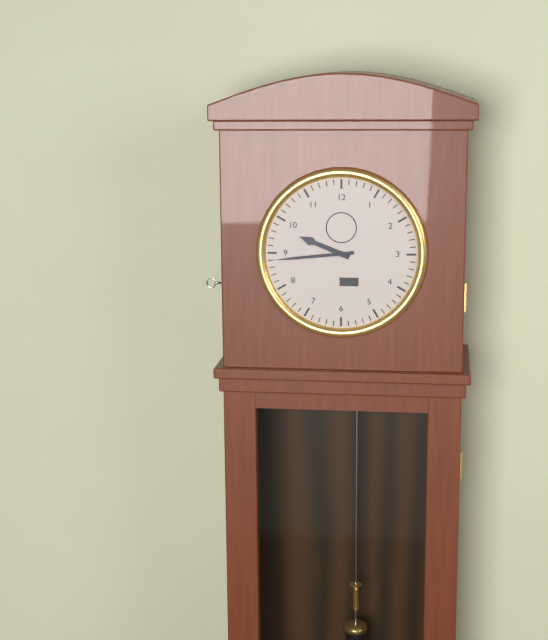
9:44
